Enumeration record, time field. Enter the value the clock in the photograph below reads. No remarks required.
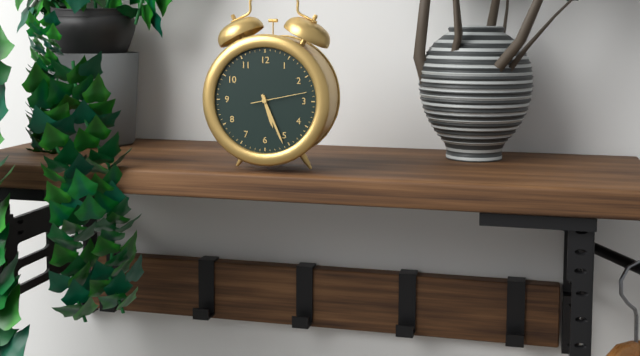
5:26:13
